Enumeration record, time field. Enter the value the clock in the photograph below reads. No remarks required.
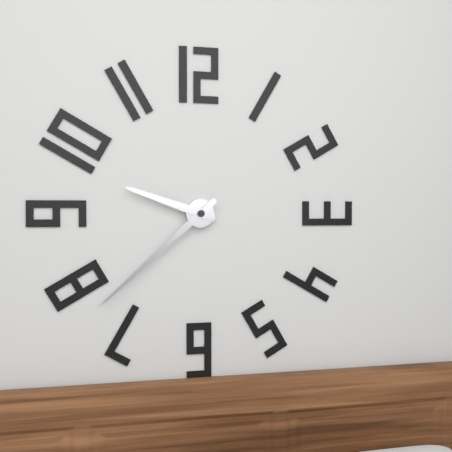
9:38
